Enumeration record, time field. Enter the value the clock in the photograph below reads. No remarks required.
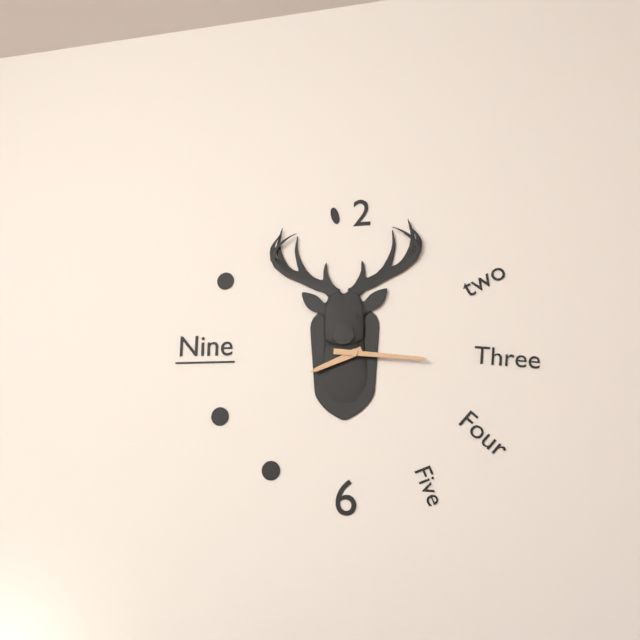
8:16
